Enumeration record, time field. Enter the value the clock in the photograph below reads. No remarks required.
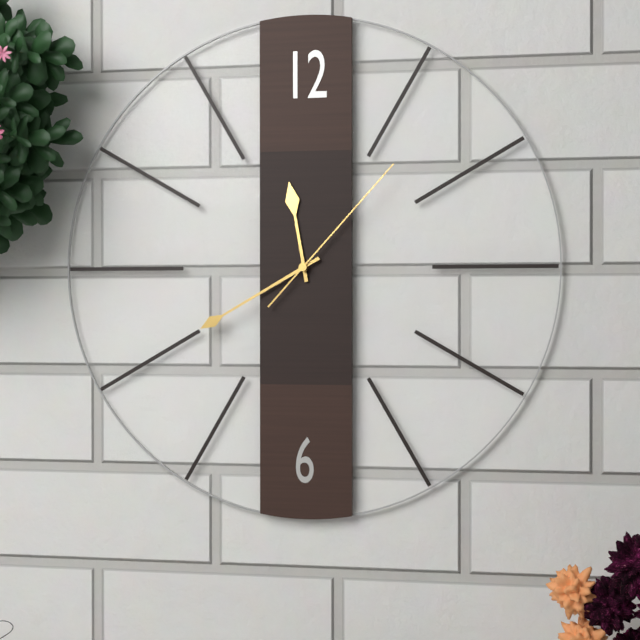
11:40:07
